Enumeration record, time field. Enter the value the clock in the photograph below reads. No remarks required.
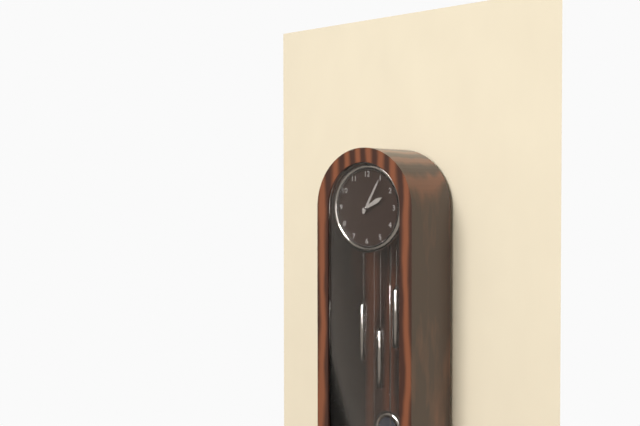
2:05
